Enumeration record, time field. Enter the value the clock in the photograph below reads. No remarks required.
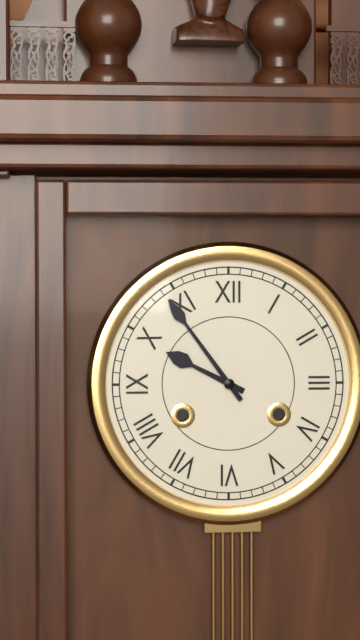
9:54
